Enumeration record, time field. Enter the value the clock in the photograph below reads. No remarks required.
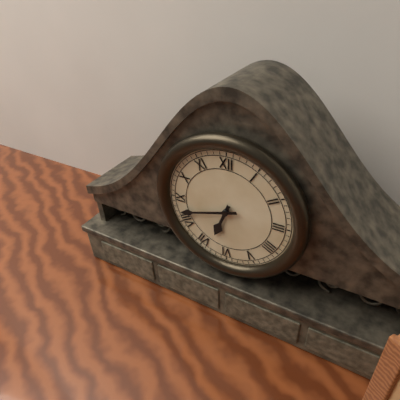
6:42
